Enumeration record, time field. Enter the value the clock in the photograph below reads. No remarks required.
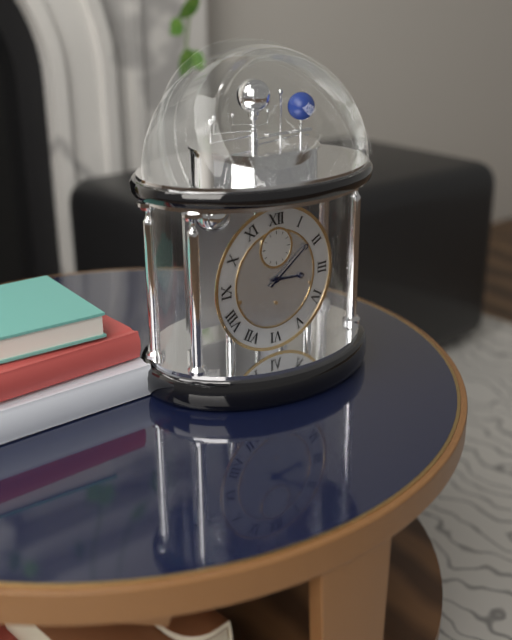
3:09
